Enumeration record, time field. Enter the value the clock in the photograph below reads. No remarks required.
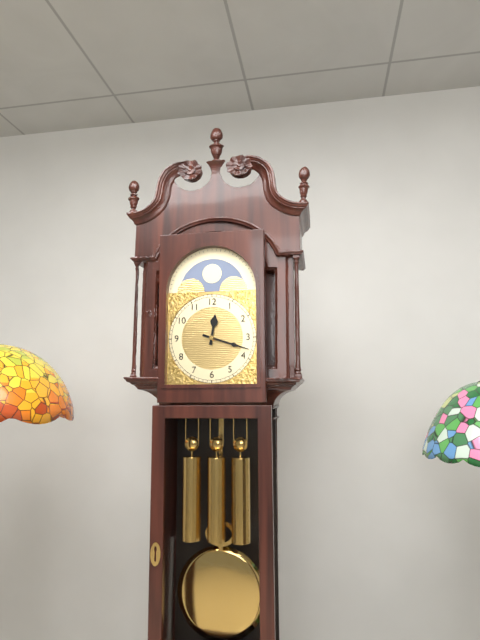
12:18
